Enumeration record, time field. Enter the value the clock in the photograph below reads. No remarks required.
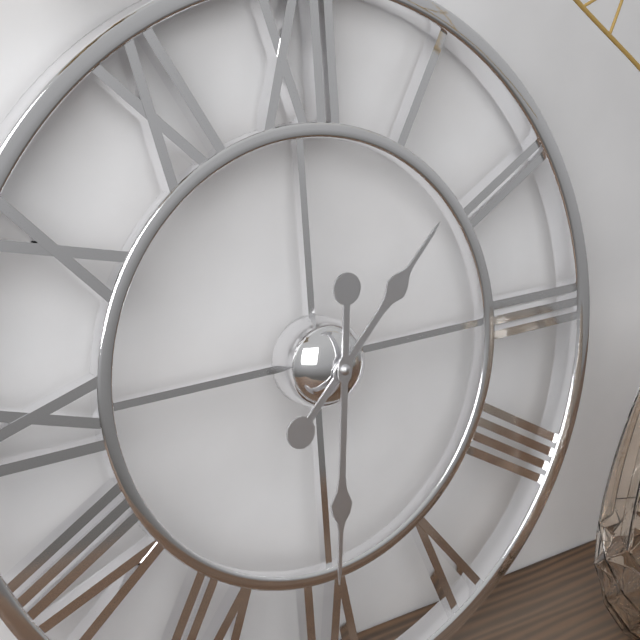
1:31
